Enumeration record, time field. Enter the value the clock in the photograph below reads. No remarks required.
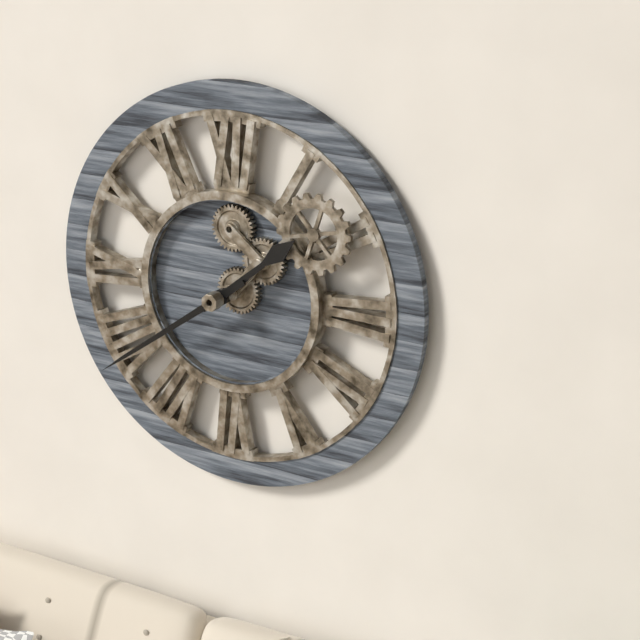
1:39
